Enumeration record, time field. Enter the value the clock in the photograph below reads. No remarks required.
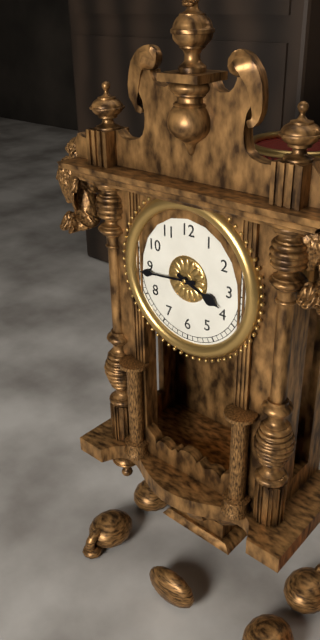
3:44
